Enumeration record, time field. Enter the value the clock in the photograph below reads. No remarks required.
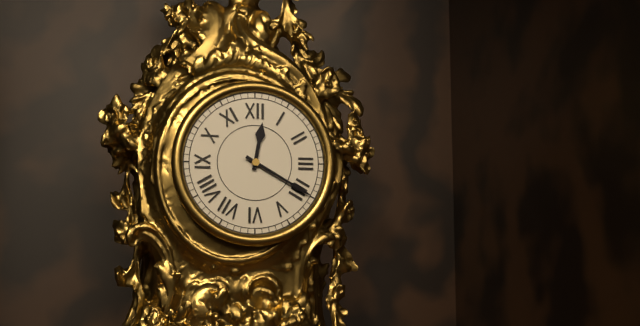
12:20
